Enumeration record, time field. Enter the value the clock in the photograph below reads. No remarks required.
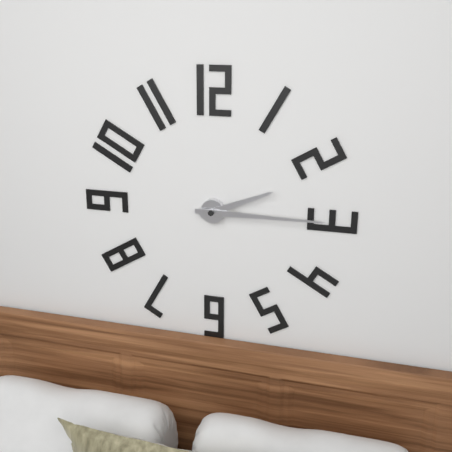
2:15
